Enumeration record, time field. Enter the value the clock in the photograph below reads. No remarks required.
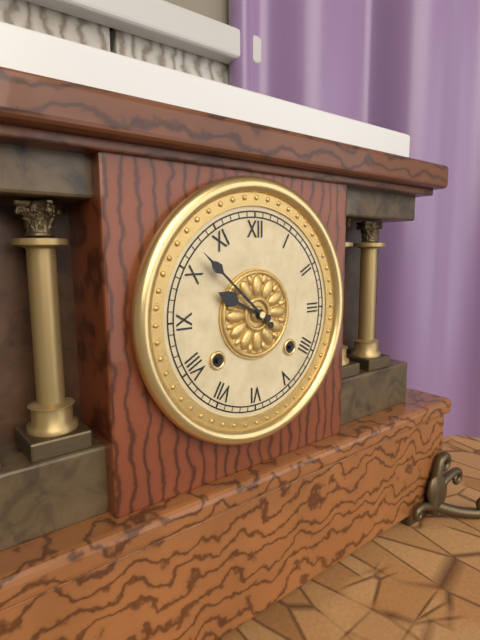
9:52
